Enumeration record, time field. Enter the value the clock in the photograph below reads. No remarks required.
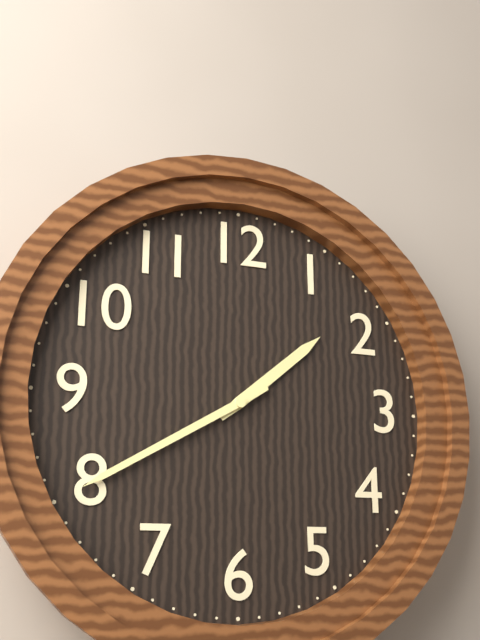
1:40
